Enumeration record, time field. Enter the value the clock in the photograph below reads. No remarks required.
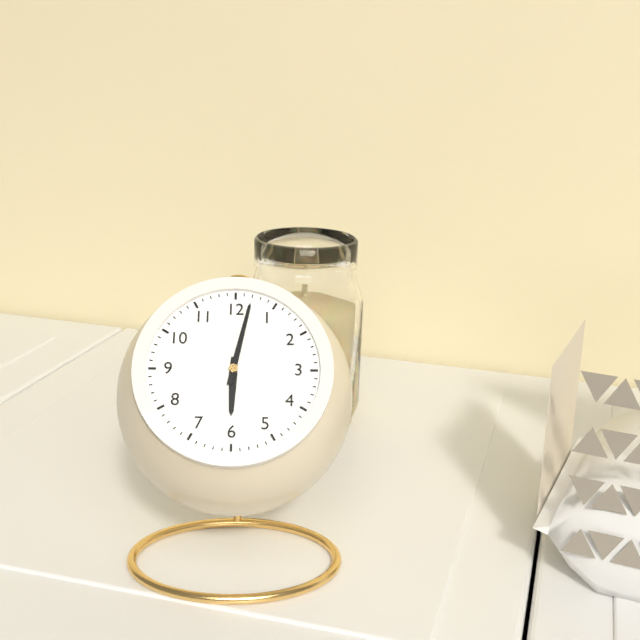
6:02
